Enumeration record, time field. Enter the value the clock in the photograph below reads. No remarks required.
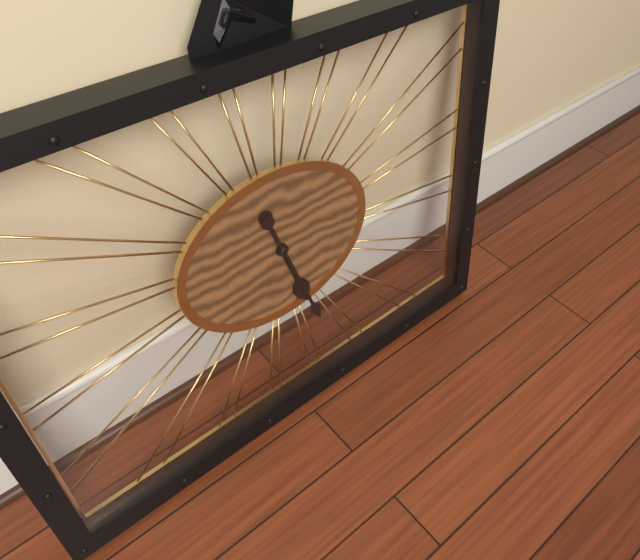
5:27
